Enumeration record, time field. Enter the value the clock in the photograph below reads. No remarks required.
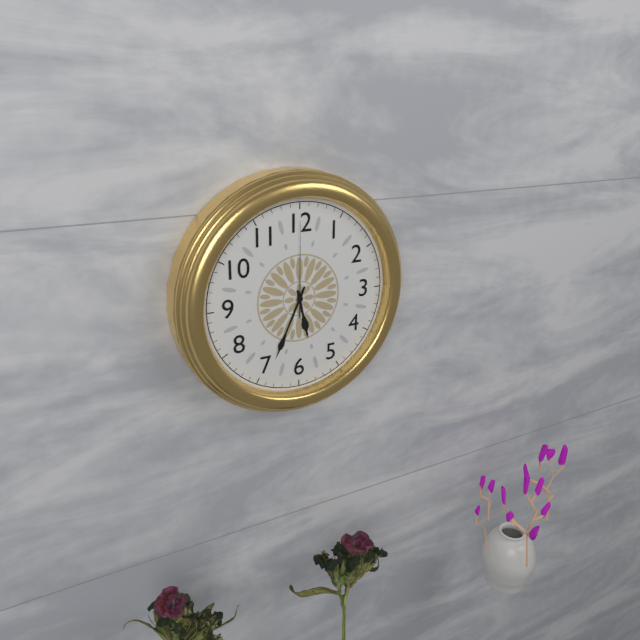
5:34:00
